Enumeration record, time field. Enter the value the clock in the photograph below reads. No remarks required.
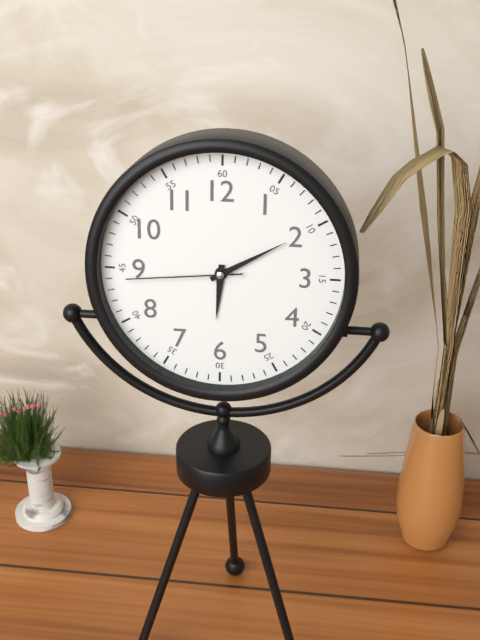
6:10:44
